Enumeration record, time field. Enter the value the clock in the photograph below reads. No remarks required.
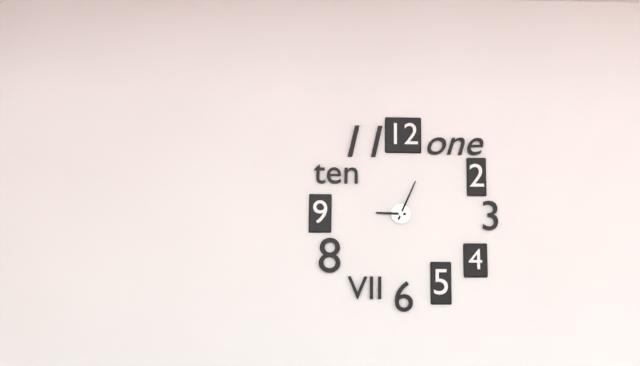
9:04
